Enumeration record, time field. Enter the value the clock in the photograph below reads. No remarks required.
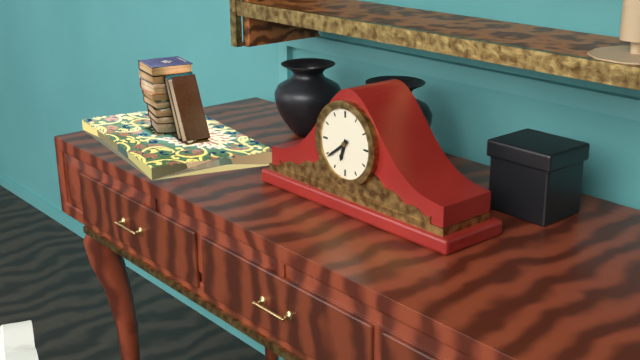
6:39
